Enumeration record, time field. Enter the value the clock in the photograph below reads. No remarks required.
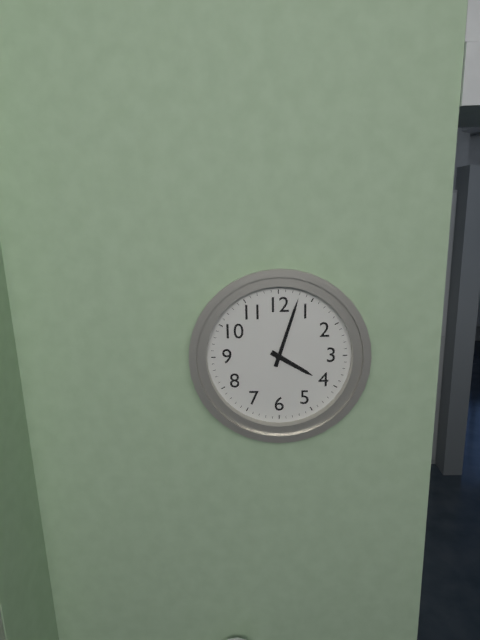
4:03
